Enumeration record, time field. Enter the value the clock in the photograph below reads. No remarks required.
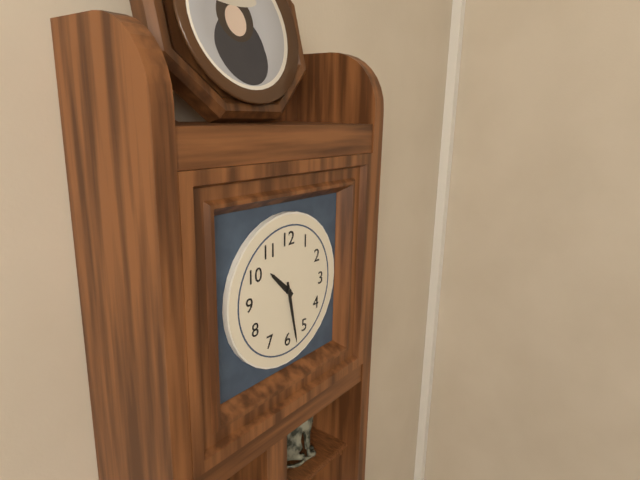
10:28
